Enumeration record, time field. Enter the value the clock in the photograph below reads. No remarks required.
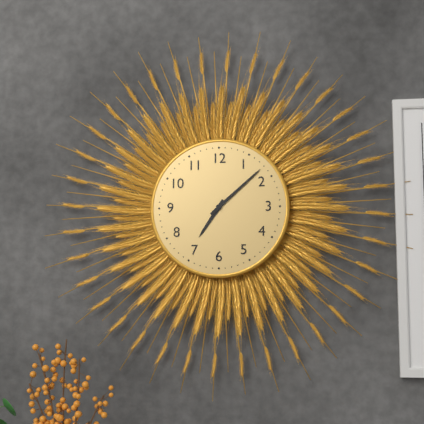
7:08
